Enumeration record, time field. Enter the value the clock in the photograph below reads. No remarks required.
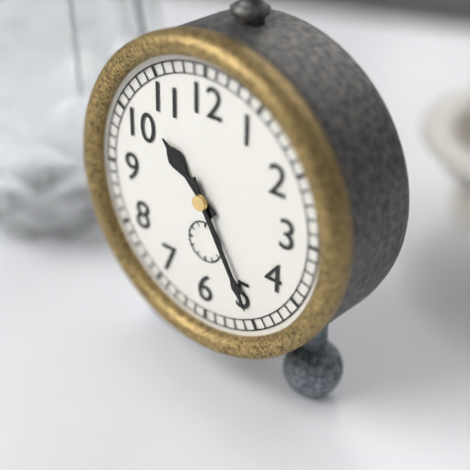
10:25
